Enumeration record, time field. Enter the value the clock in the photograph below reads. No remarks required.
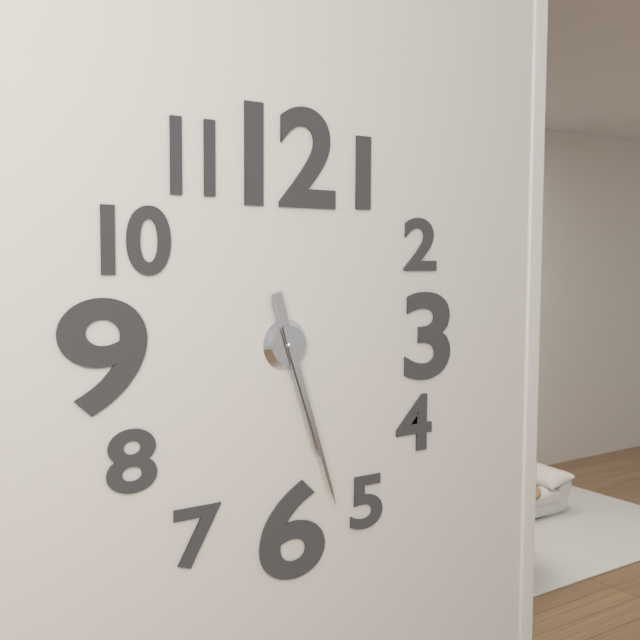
5:27
